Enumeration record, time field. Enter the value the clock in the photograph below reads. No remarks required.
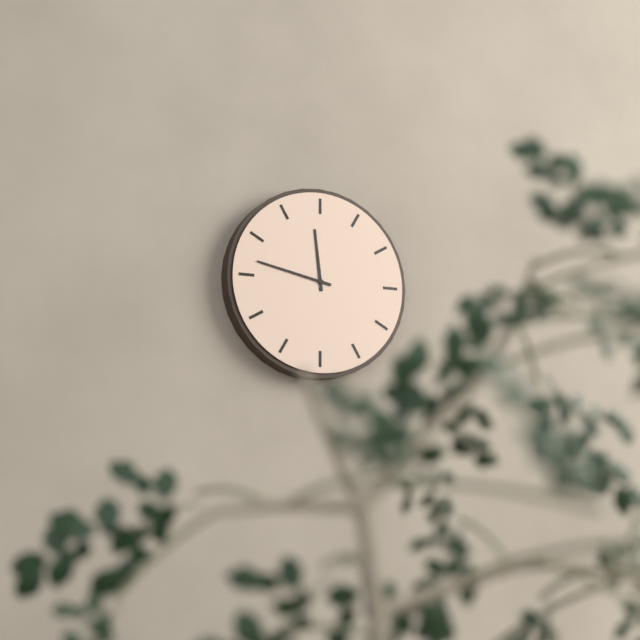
11:47
